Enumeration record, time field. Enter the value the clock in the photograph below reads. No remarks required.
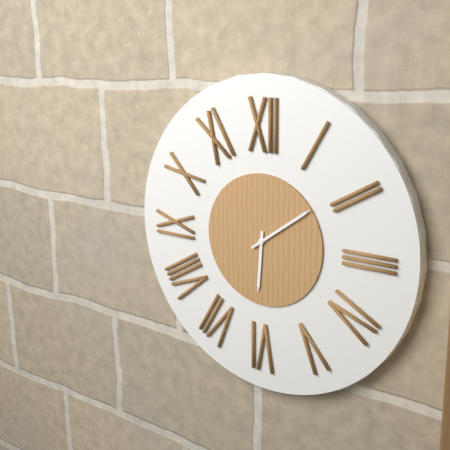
6:09
